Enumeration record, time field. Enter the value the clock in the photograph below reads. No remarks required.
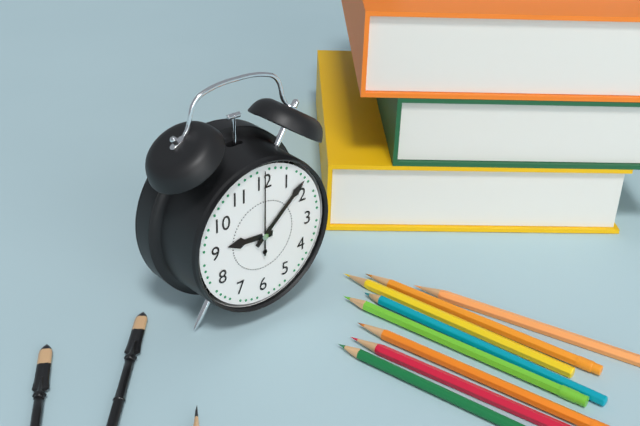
9:08:00
